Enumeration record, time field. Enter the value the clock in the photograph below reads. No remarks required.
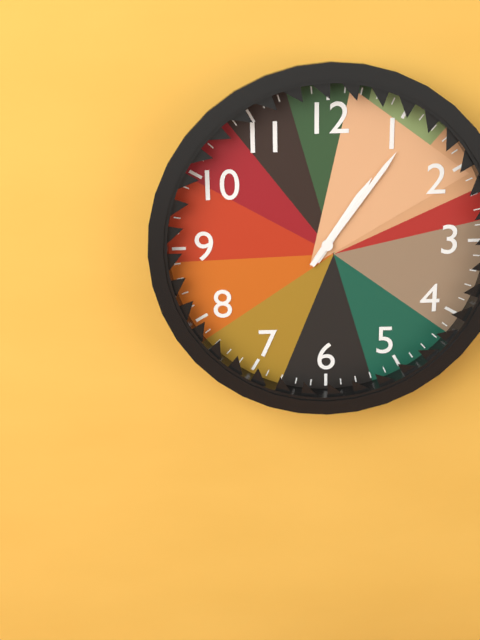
1:06
